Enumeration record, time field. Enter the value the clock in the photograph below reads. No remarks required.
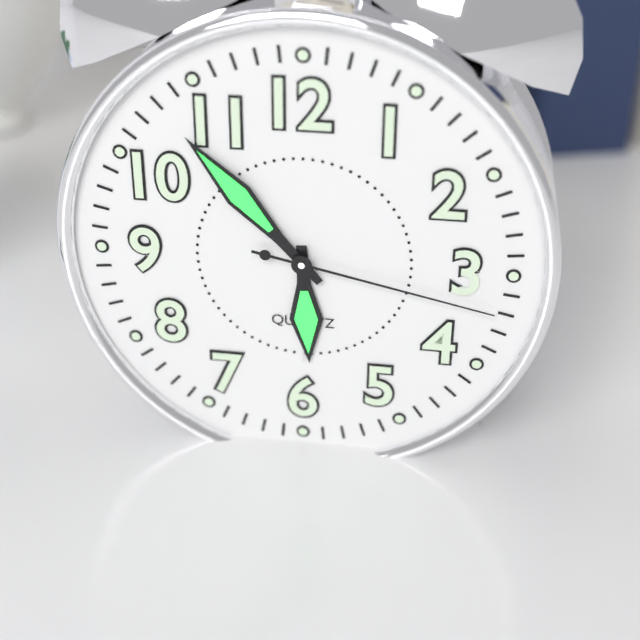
5:53:17
